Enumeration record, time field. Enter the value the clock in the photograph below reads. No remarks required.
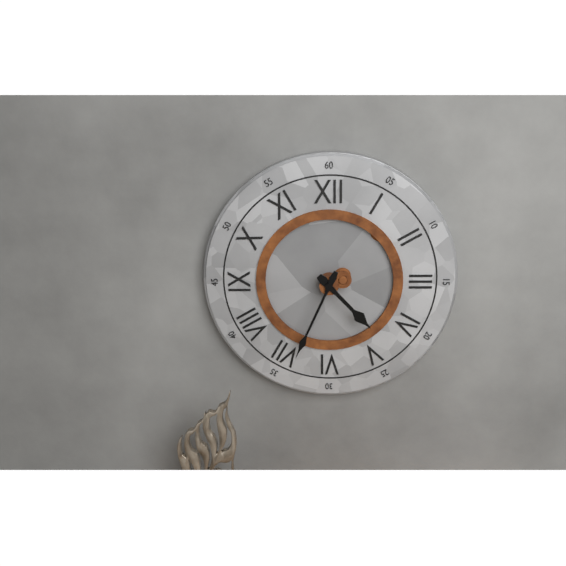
4:34
